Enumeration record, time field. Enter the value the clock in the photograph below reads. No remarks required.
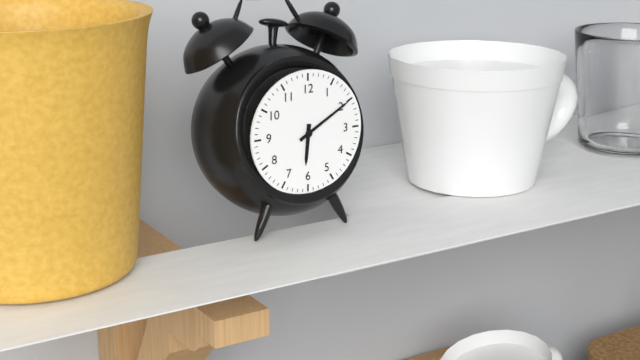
6:10
